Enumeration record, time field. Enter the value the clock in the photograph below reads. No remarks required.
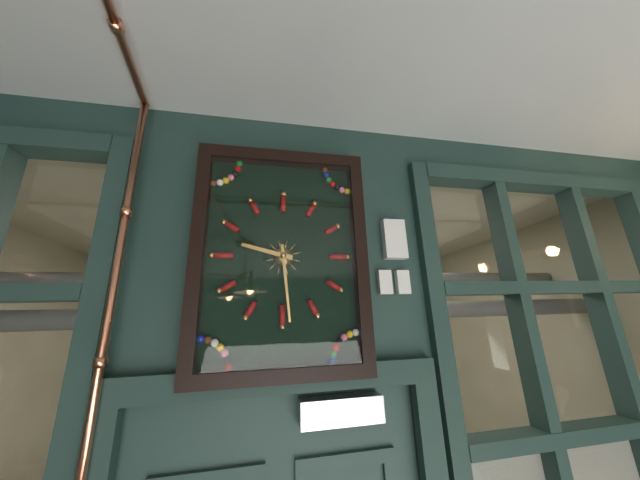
9:29
